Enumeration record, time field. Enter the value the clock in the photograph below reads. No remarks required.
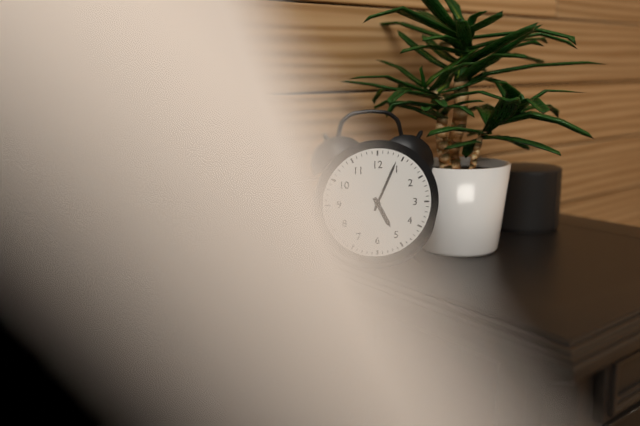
5:04
